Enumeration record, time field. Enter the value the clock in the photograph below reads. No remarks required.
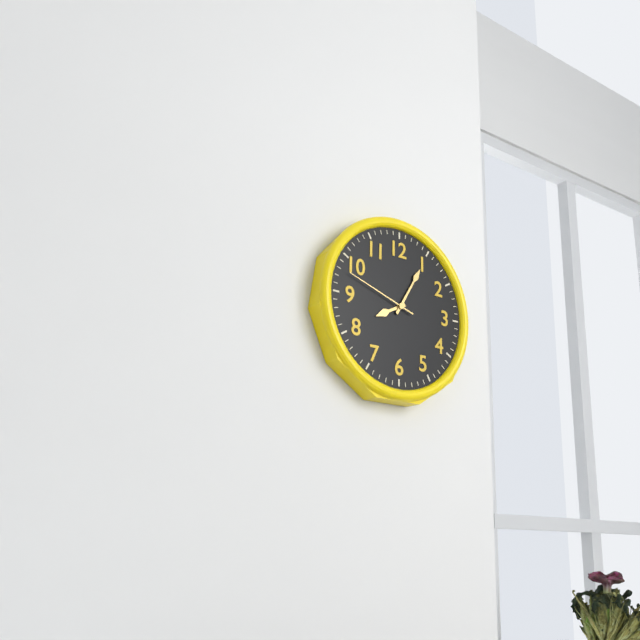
8:05:48
